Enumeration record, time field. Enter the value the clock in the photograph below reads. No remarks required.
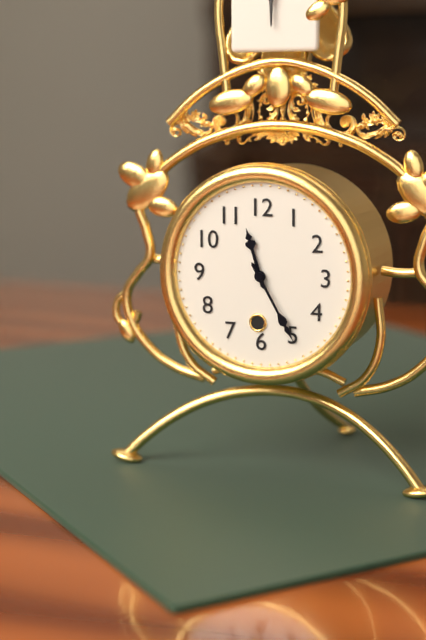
11:25
